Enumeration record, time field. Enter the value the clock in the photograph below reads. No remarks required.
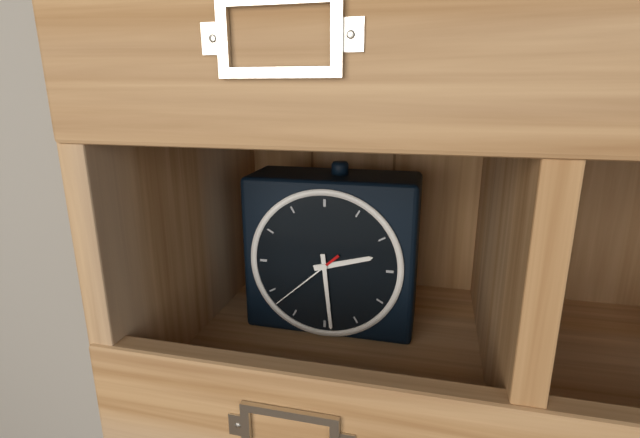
2:29:38
